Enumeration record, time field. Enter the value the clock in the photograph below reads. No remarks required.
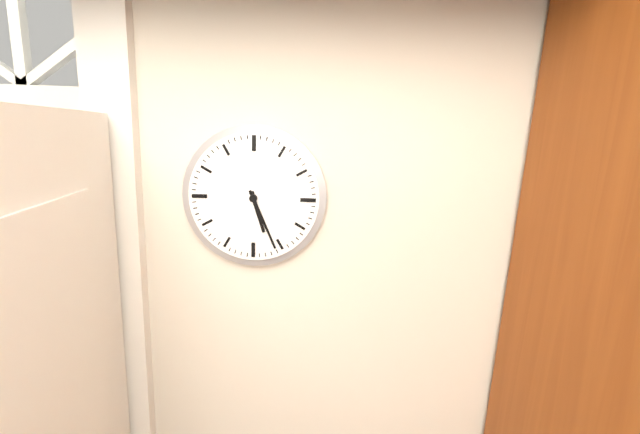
5:26
